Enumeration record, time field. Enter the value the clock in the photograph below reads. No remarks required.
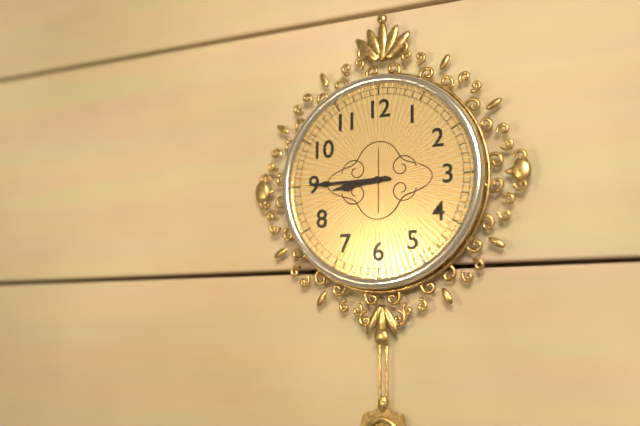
8:45
